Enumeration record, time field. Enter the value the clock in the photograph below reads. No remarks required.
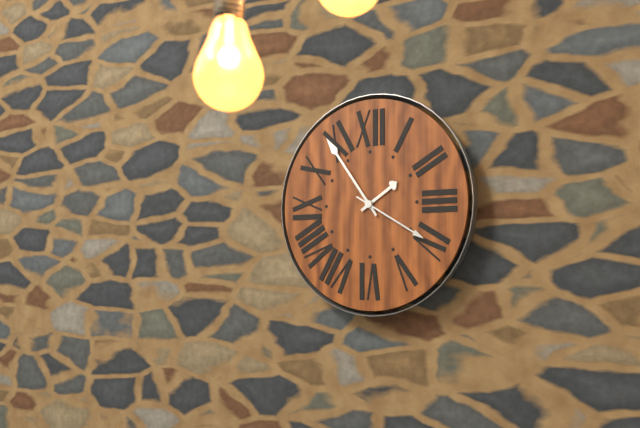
1:54:20
